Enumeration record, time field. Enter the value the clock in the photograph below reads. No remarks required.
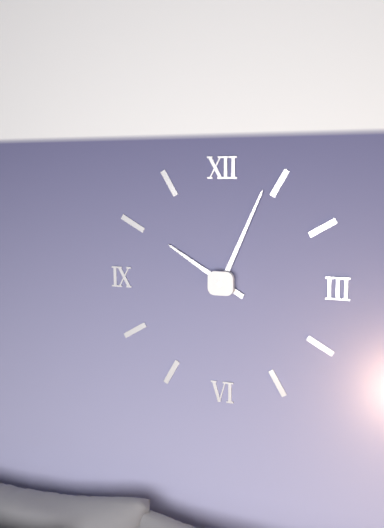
10:04
